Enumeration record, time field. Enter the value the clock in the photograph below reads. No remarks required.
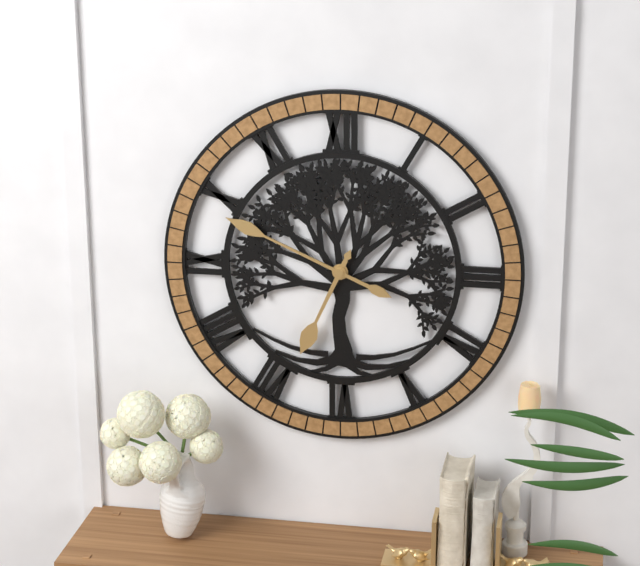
6:49
